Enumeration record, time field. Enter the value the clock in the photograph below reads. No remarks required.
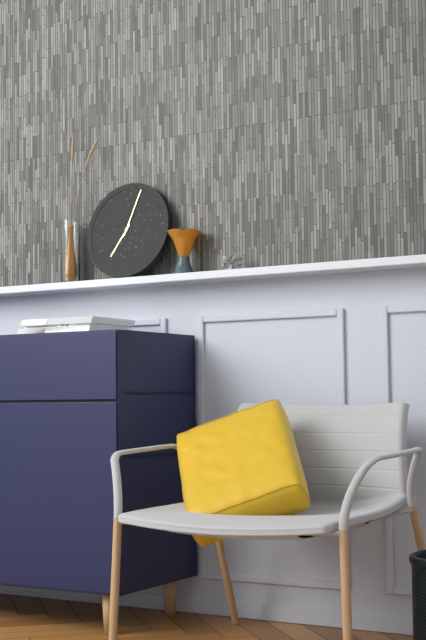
7:03
